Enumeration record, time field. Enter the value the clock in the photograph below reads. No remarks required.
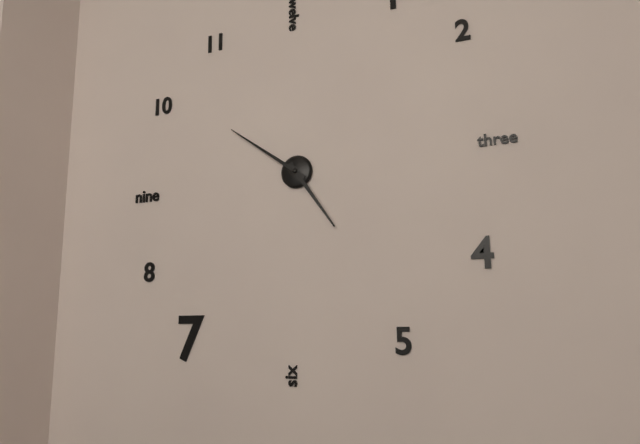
4:51
